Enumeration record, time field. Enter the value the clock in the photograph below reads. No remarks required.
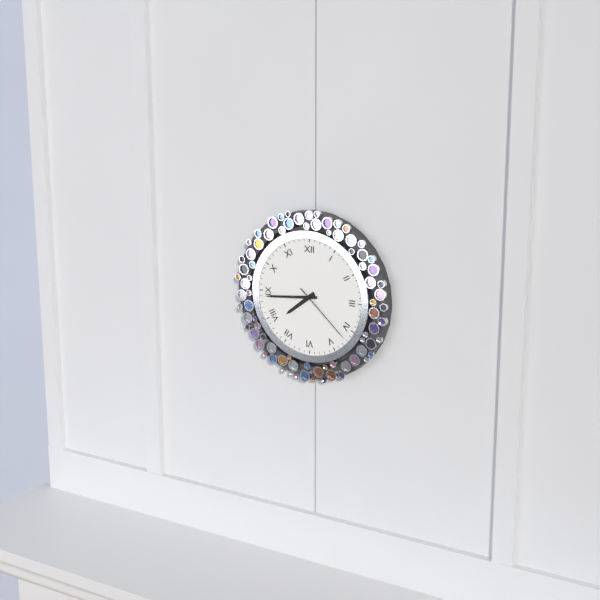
7:44:22
